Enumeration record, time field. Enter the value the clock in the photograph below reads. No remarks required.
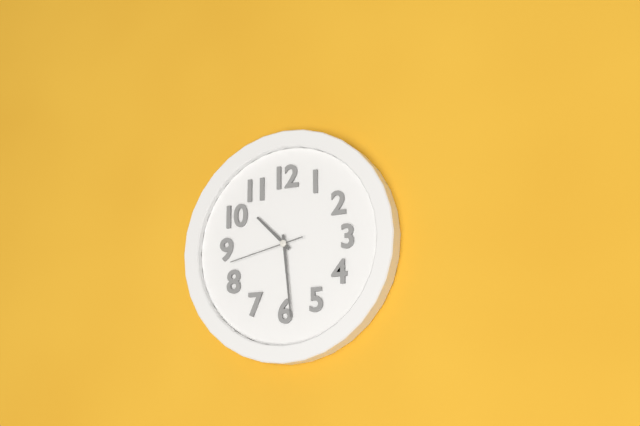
10:29:43
